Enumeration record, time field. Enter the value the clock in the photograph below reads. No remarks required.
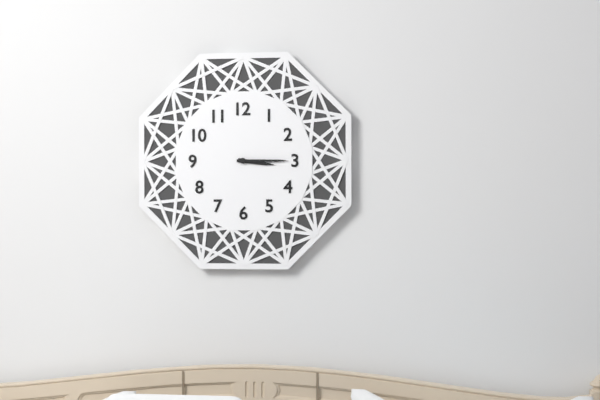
3:15
